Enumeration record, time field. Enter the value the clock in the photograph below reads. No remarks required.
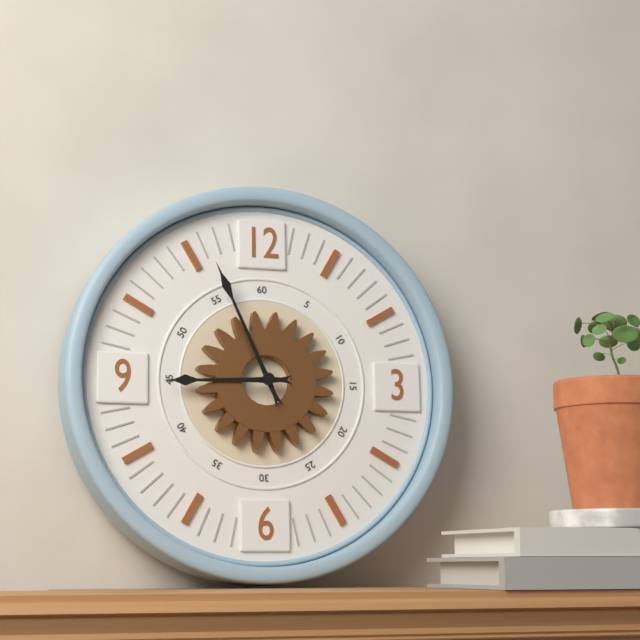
8:56
